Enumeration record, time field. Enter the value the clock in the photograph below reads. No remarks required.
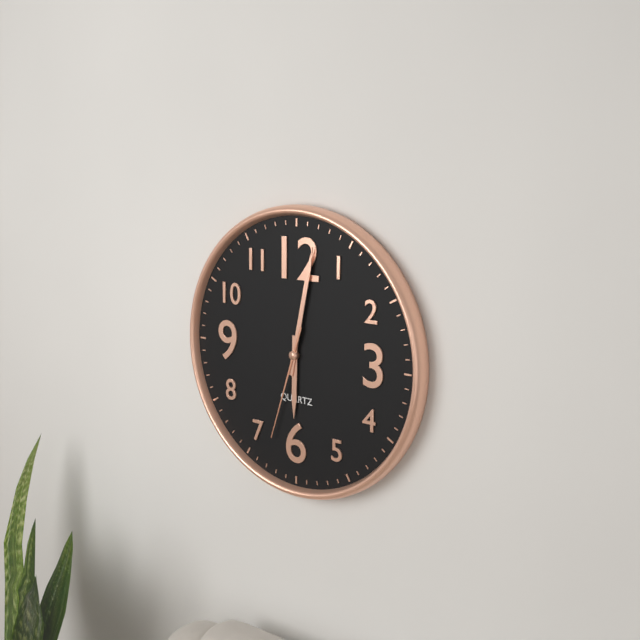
6:02:33
